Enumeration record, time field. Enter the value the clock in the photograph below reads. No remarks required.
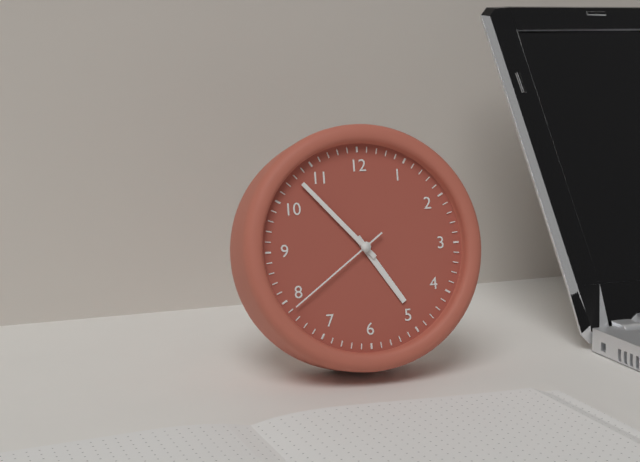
4:53:39
